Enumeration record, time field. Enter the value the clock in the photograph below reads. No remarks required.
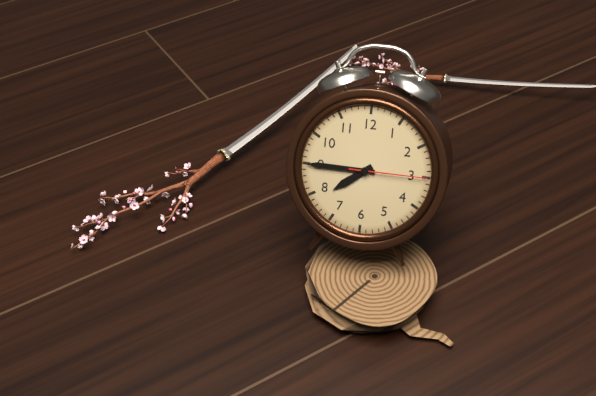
7:45:15
